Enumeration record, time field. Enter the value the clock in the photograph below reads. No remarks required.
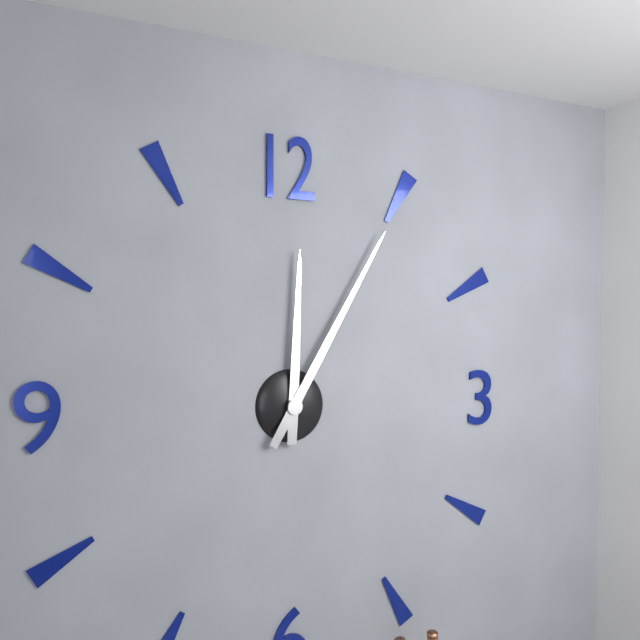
12:05
